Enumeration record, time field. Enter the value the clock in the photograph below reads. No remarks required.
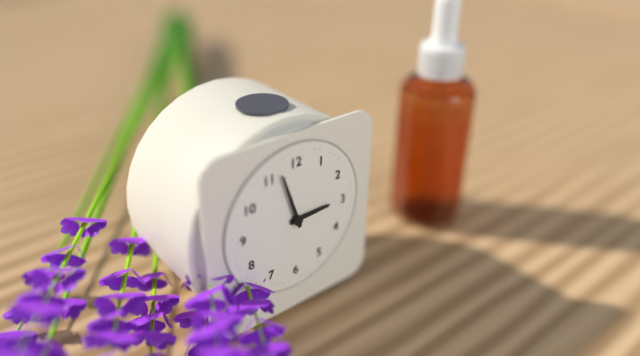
2:57
